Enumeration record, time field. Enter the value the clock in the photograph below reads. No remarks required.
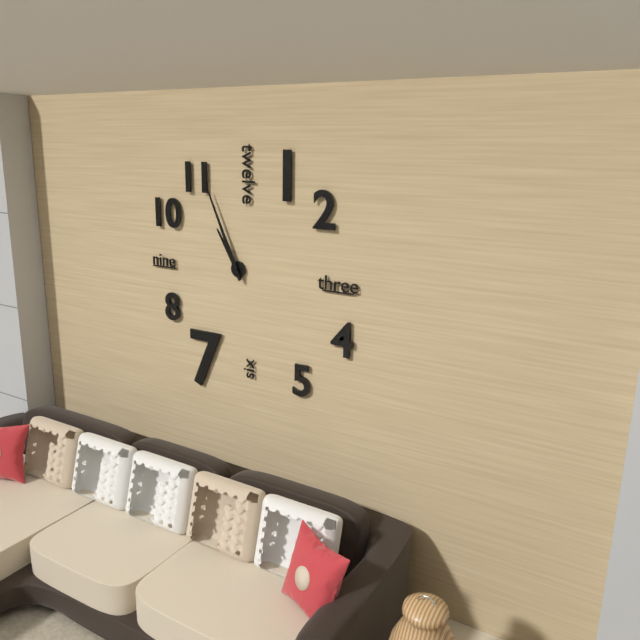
10:56
